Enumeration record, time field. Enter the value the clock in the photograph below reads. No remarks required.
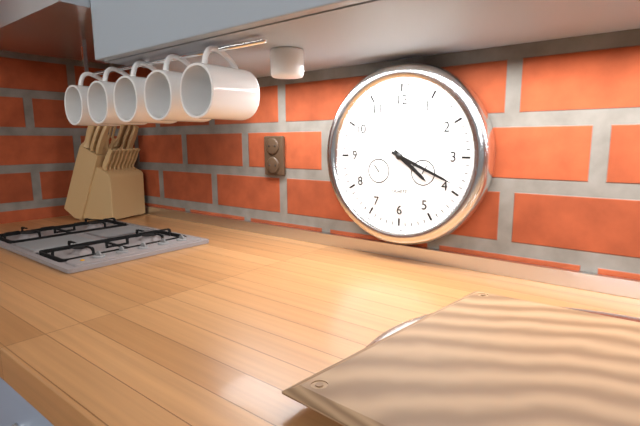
4:19
